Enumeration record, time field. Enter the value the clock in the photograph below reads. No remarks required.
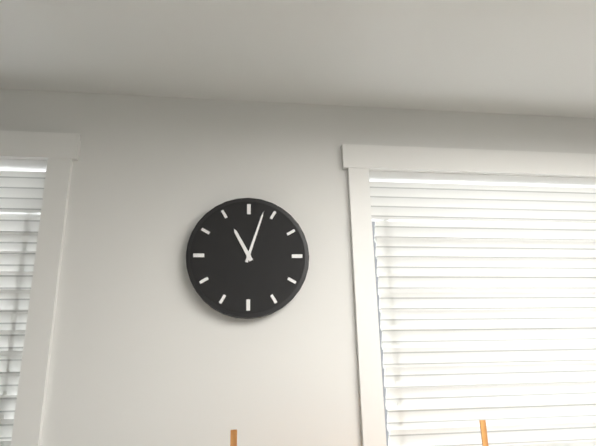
11:03
